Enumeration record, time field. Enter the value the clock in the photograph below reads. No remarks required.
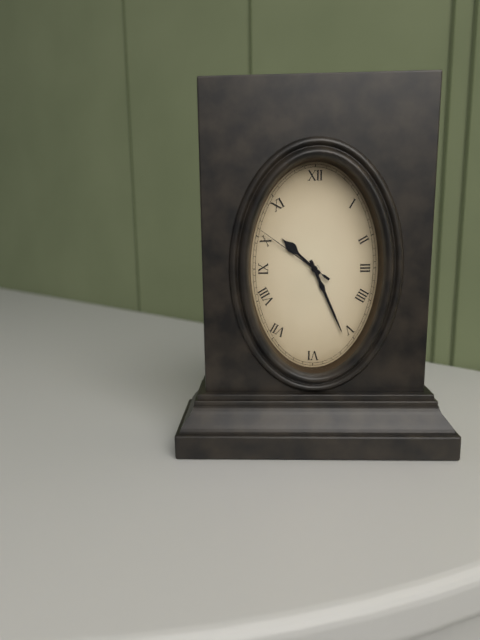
10:26:51
